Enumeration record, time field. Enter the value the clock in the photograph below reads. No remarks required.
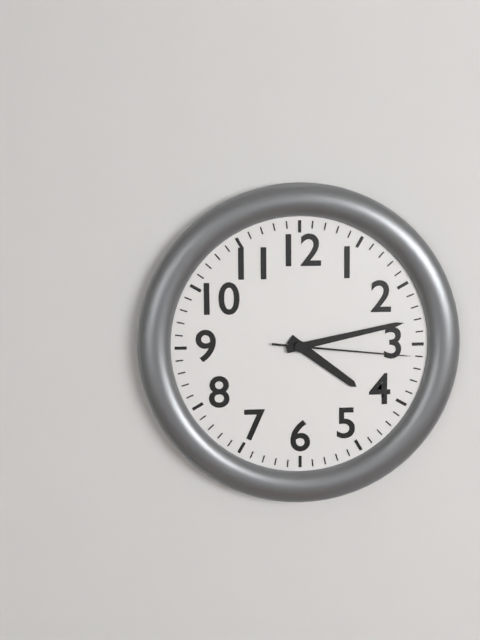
4:13:16
